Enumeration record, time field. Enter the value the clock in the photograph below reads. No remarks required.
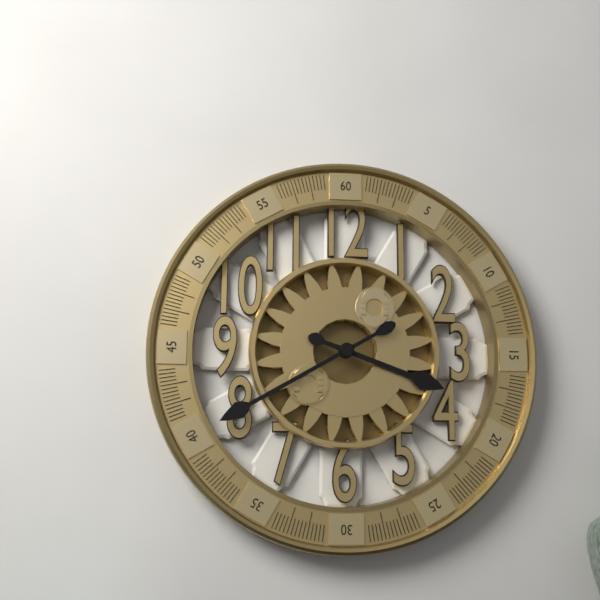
3:40
